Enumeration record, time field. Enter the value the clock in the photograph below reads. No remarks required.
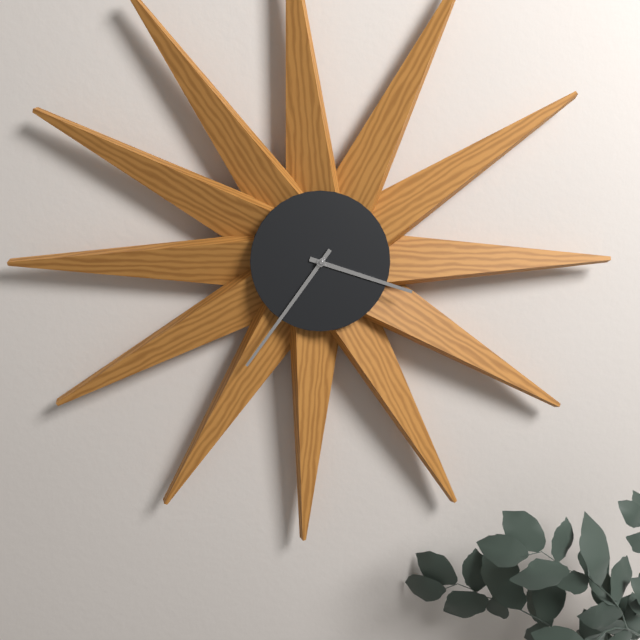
3:36
